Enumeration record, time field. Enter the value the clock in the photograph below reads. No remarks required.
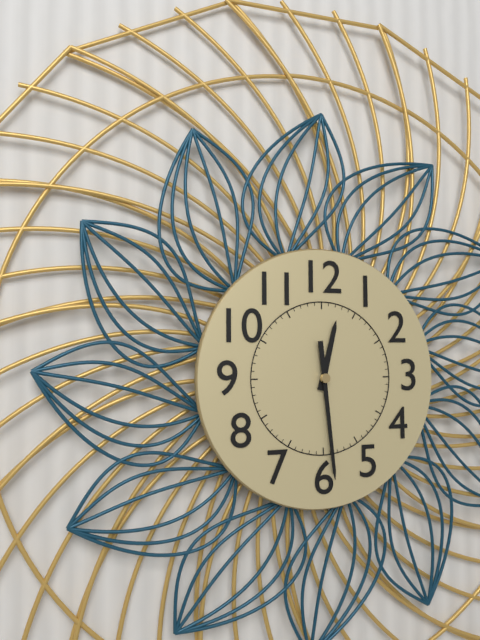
12:29
